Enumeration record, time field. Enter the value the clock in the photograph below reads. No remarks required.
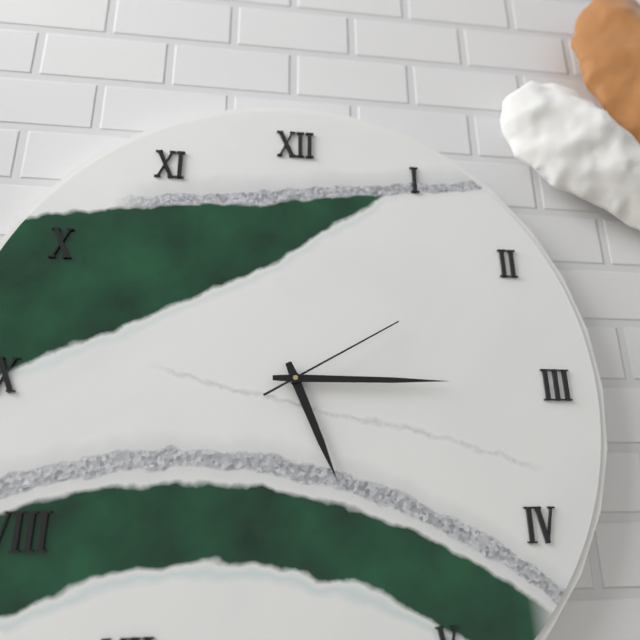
5:15:10
